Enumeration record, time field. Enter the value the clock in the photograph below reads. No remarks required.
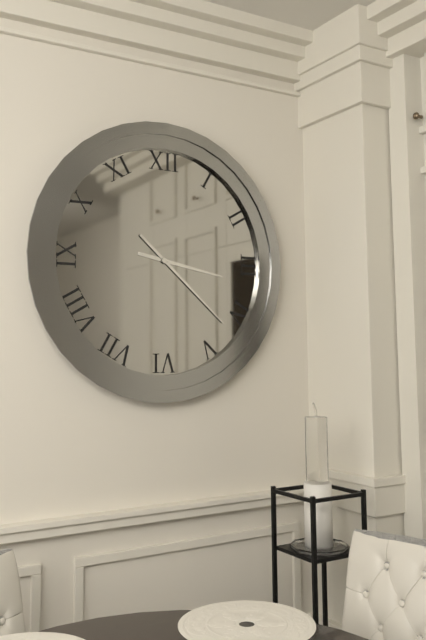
3:22
